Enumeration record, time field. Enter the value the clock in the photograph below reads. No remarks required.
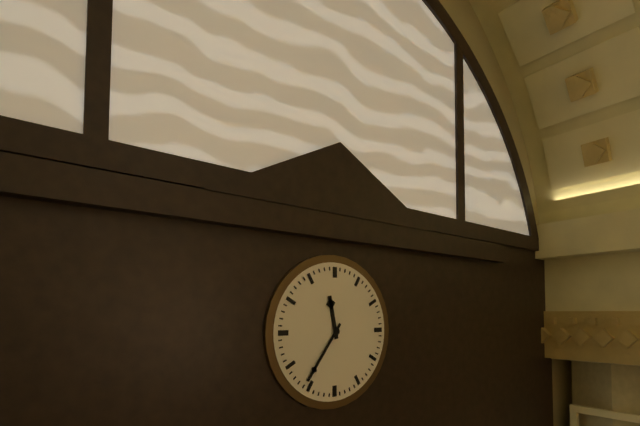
11:36
